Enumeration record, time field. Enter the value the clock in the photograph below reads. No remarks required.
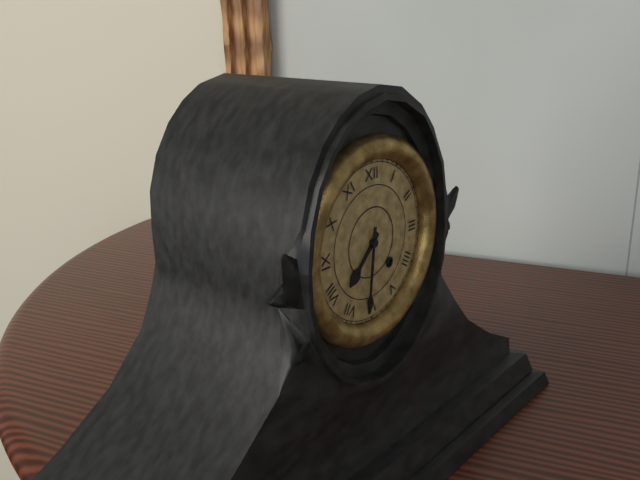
7:31
